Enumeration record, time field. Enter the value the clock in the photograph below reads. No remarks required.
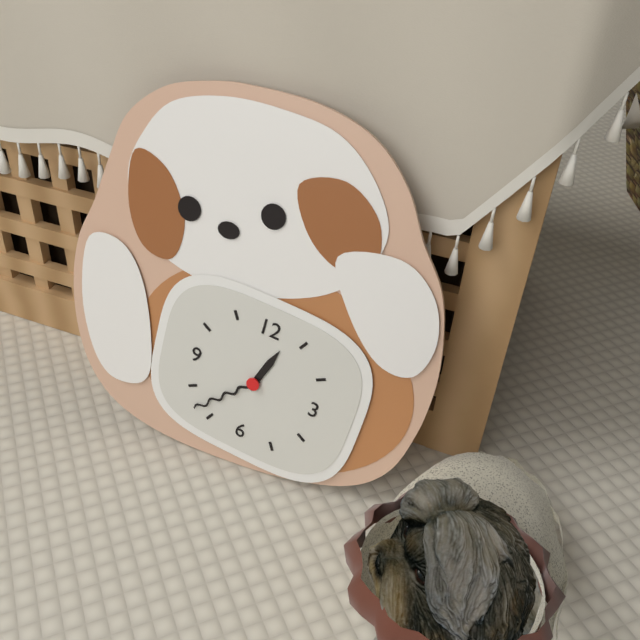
12:37
